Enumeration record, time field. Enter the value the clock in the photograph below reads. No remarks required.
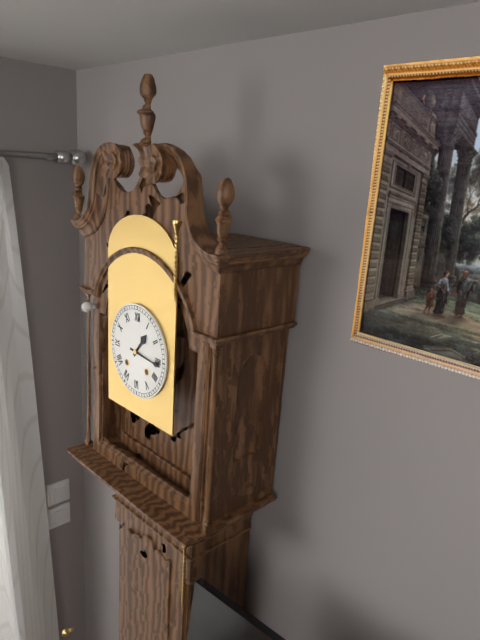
1:16
